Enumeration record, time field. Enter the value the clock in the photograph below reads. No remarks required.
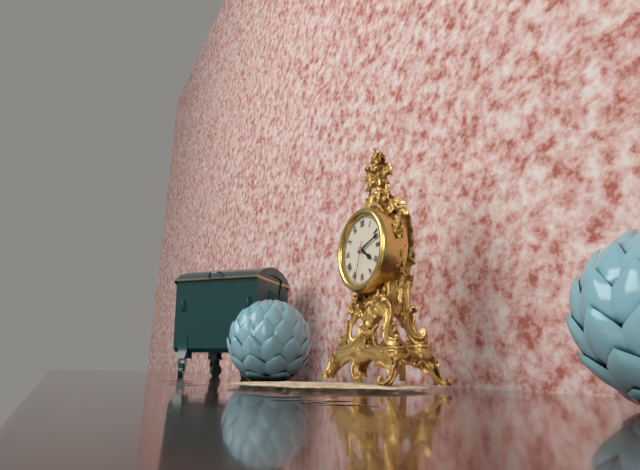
4:12
